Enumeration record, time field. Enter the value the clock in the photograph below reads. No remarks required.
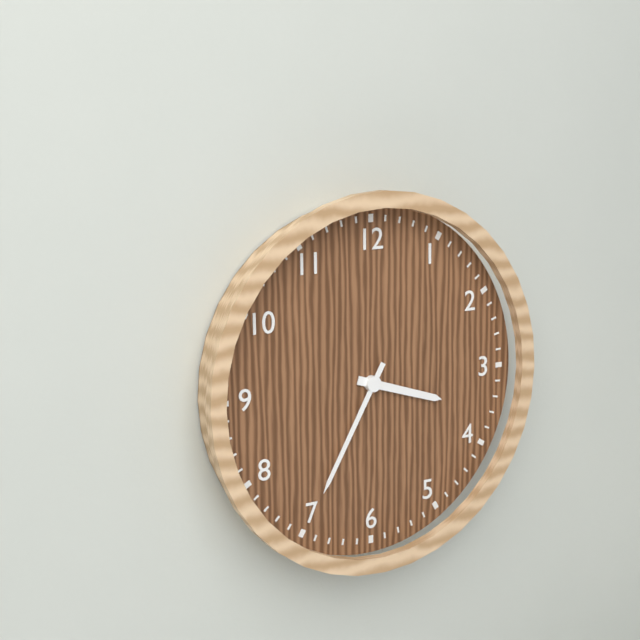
3:35
